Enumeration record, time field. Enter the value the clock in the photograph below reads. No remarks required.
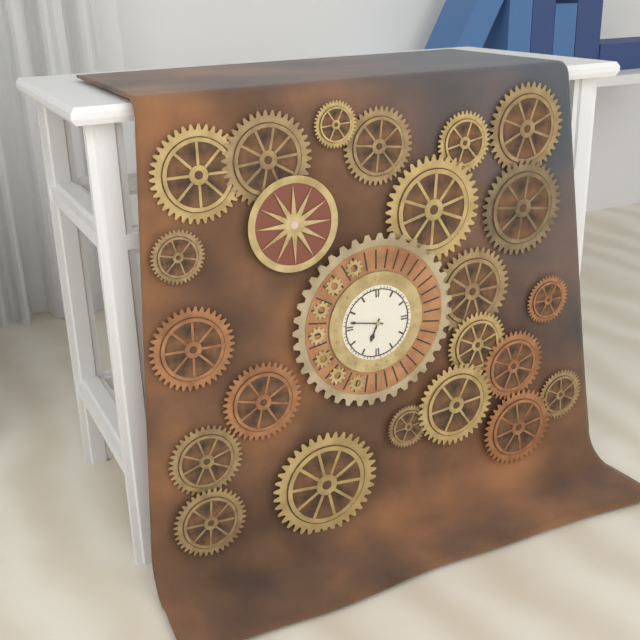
6:47
